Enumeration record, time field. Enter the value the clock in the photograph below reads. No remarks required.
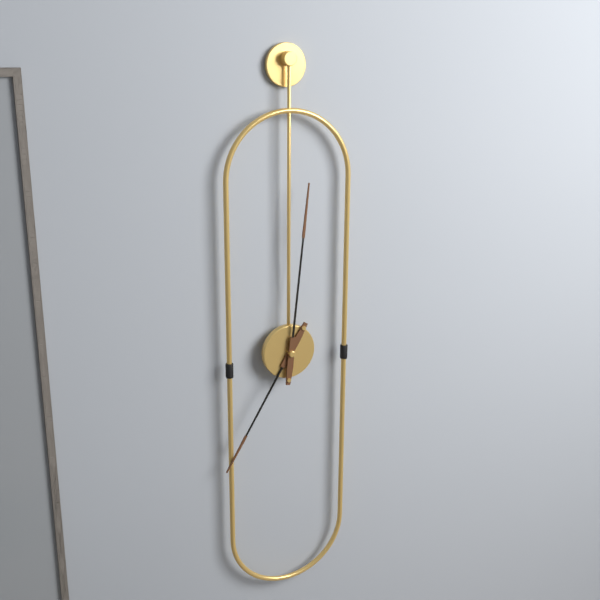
7:01
